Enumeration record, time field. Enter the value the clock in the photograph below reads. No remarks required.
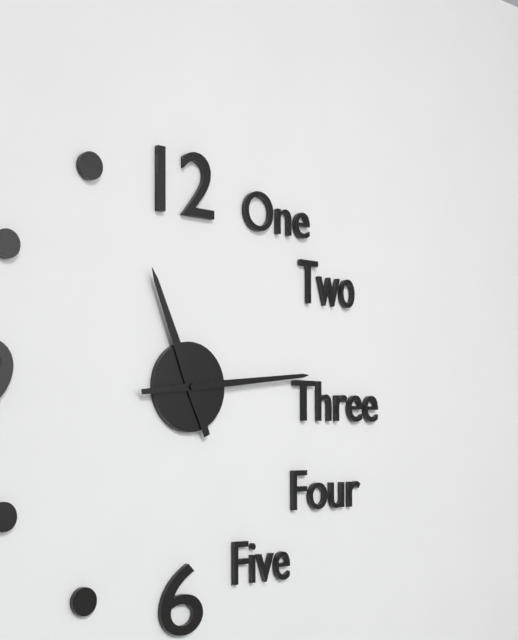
11:14
